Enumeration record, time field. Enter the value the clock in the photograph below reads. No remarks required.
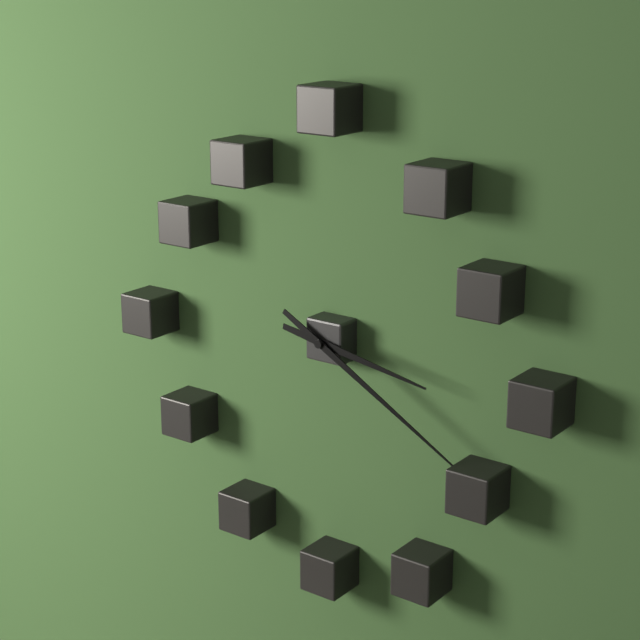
3:20
